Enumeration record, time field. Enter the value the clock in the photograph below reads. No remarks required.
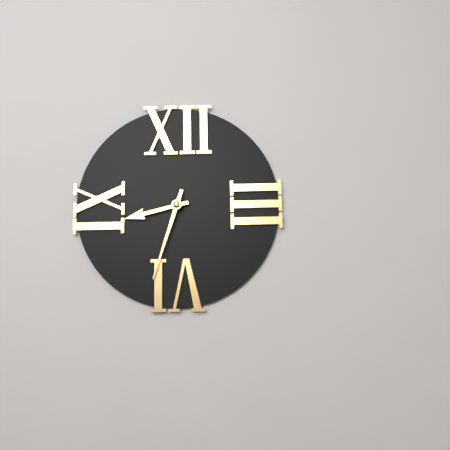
8:33
